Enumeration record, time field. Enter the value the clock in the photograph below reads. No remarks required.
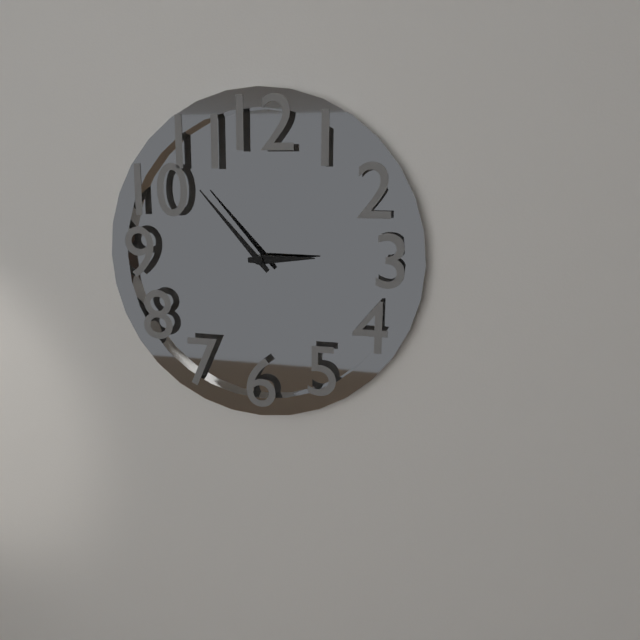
2:53
